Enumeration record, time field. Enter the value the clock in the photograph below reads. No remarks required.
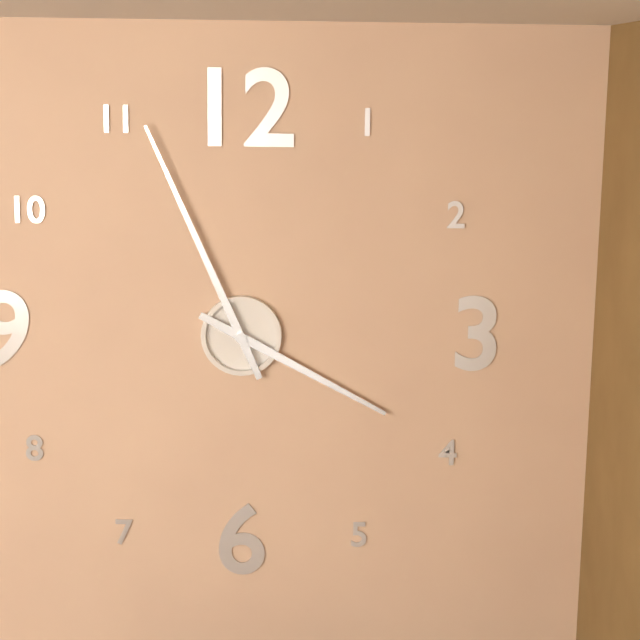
3:56
